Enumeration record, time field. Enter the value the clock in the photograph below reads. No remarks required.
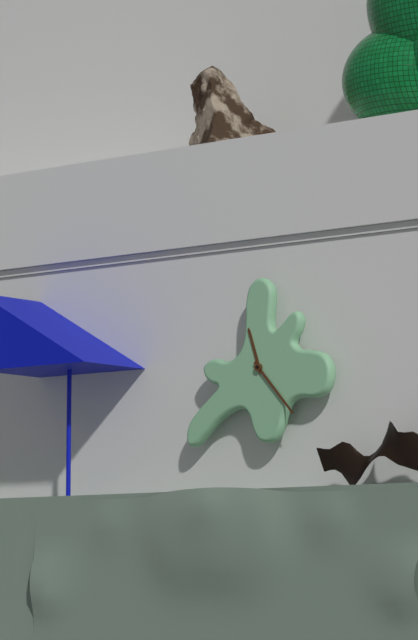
11:23
